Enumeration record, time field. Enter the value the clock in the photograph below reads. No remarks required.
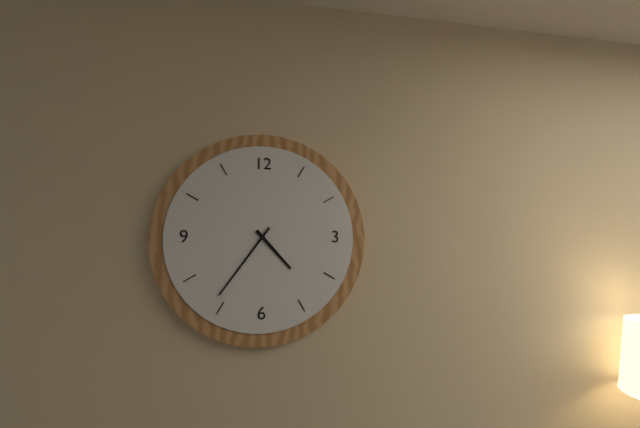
4:36
